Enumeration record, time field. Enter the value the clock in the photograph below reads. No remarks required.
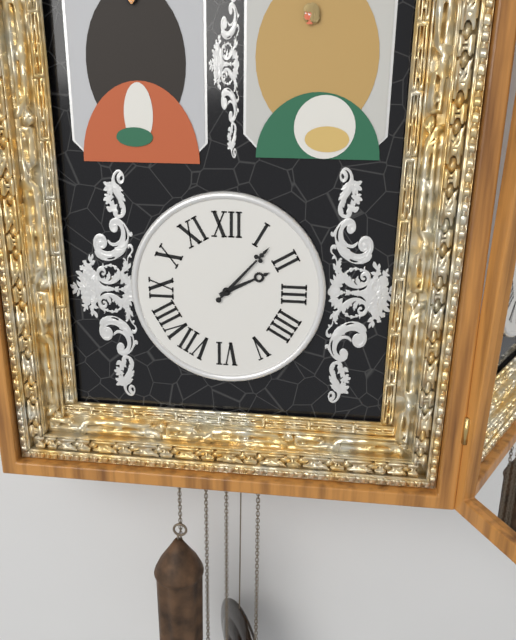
2:07
